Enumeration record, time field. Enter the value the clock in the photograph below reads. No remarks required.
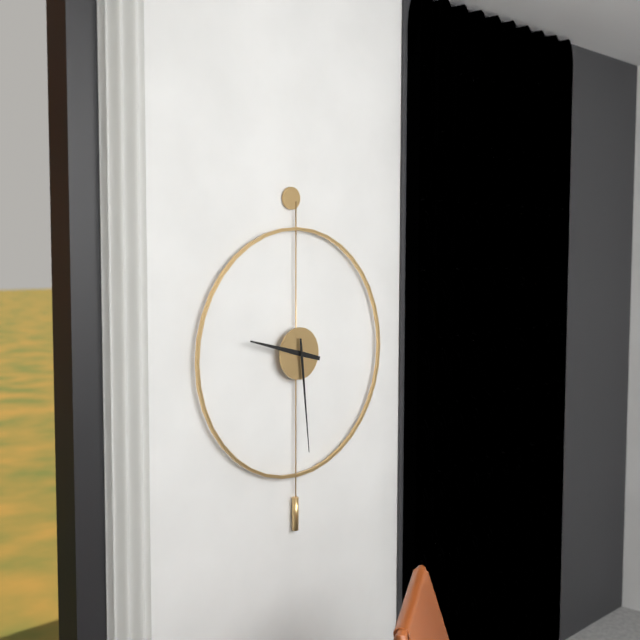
9:29
